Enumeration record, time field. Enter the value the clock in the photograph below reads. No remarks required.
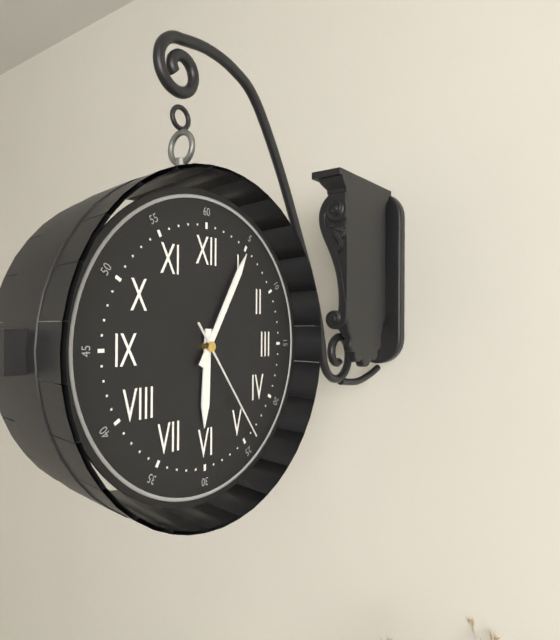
6:05:24
